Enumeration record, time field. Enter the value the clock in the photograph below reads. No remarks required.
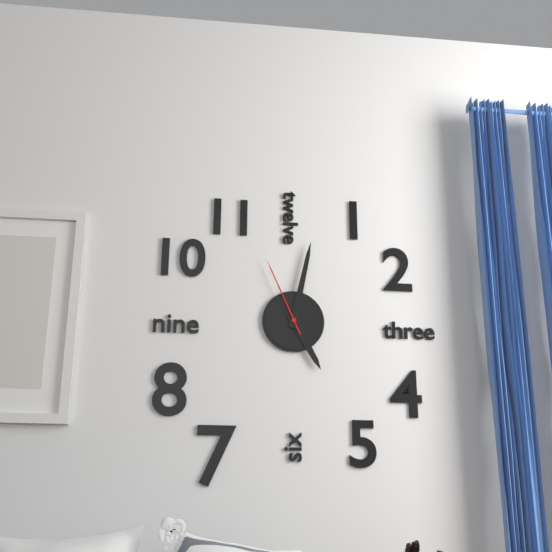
5:02:56
